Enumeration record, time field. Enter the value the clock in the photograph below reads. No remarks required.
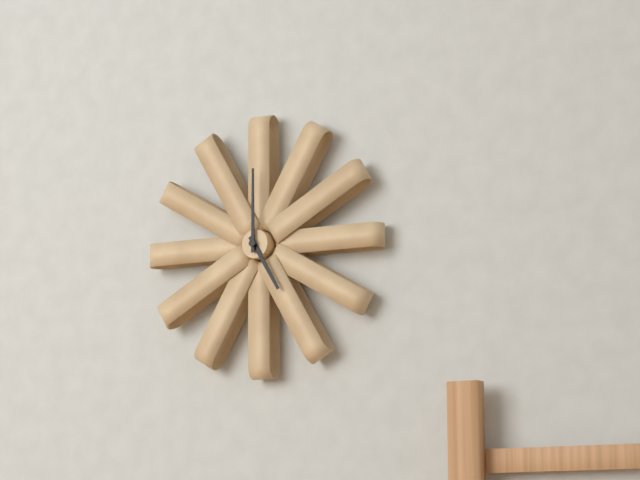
5:00
